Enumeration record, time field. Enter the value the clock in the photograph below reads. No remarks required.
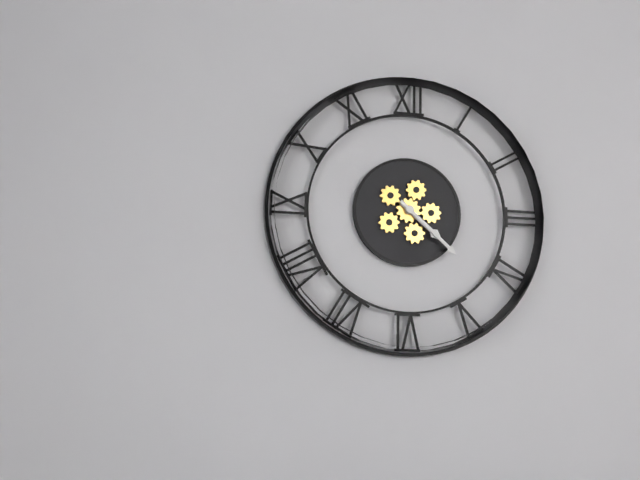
4:22
